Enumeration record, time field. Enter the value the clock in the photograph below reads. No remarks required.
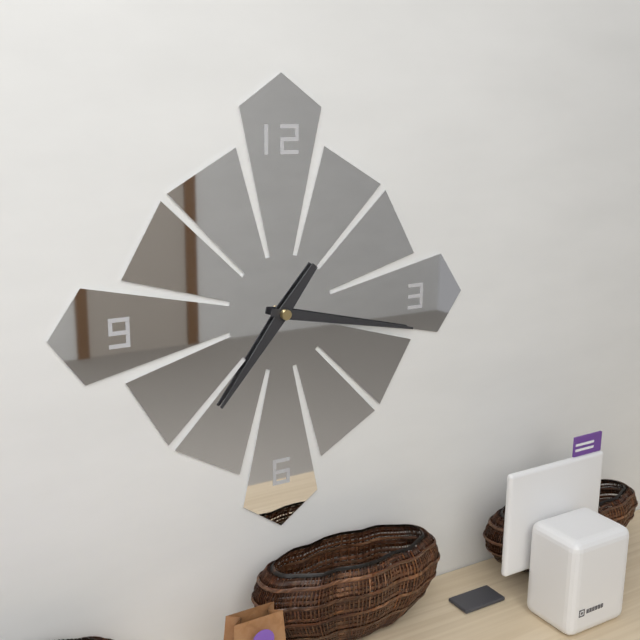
7:17
